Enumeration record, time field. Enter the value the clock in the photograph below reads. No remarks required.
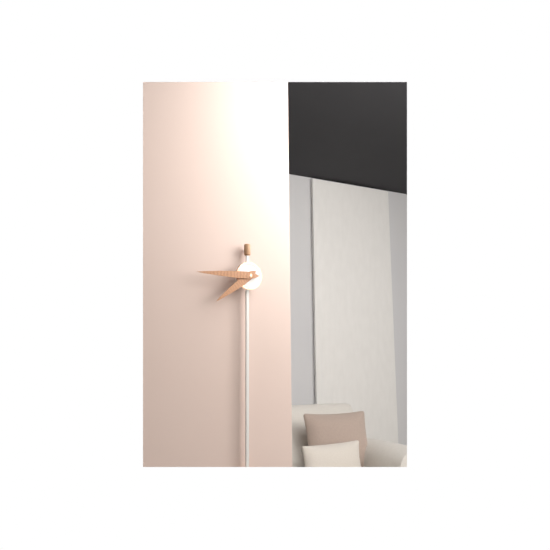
7:45
